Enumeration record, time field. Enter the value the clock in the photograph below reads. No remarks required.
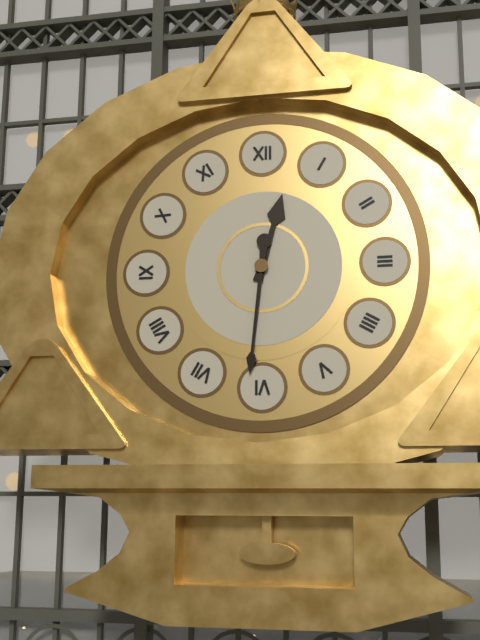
12:31
